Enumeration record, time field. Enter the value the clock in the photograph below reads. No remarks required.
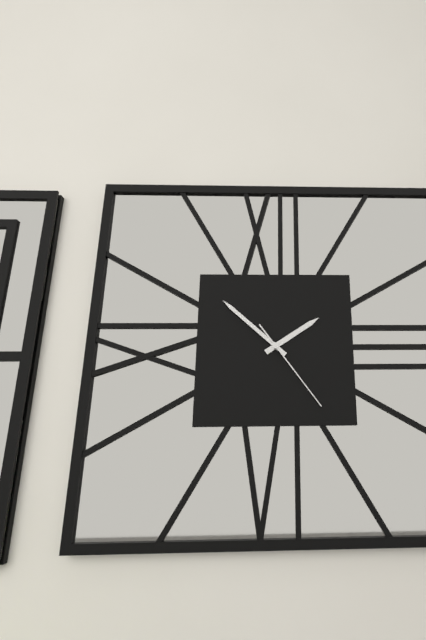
1:52:24
